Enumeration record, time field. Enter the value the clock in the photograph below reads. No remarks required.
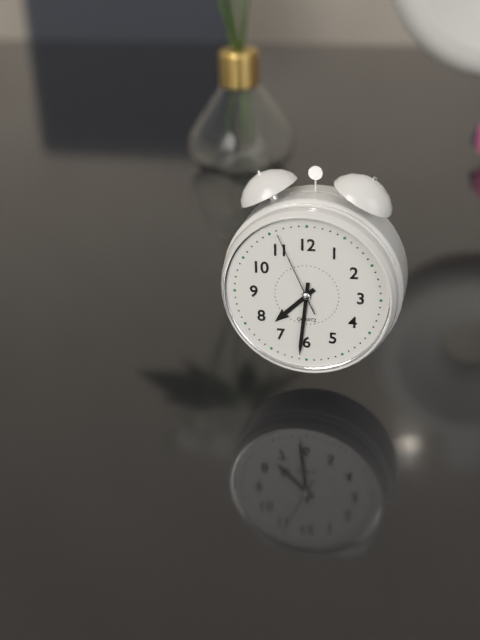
7:31:56
